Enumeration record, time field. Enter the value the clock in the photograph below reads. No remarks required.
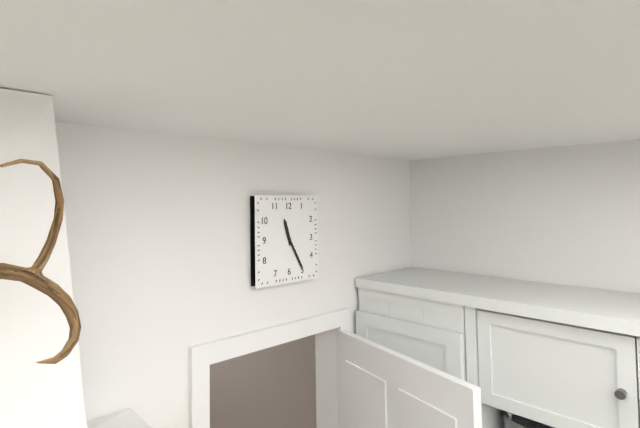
11:25
